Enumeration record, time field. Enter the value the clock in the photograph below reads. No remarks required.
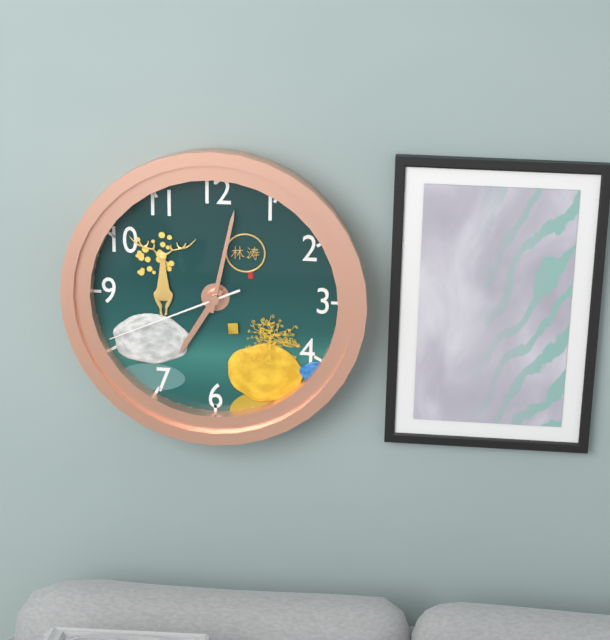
7:02:41
